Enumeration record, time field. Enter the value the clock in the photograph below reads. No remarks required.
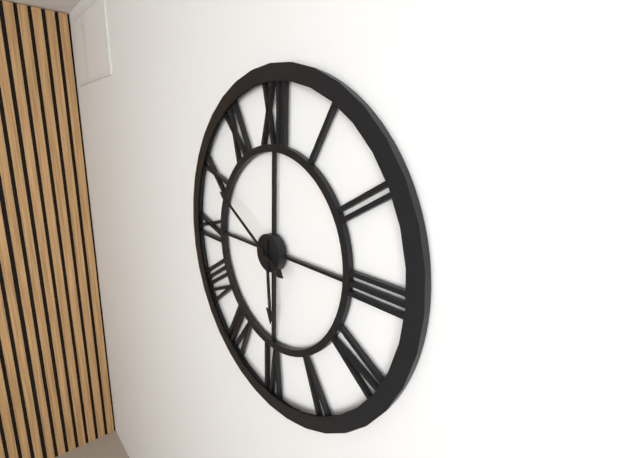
5:50
